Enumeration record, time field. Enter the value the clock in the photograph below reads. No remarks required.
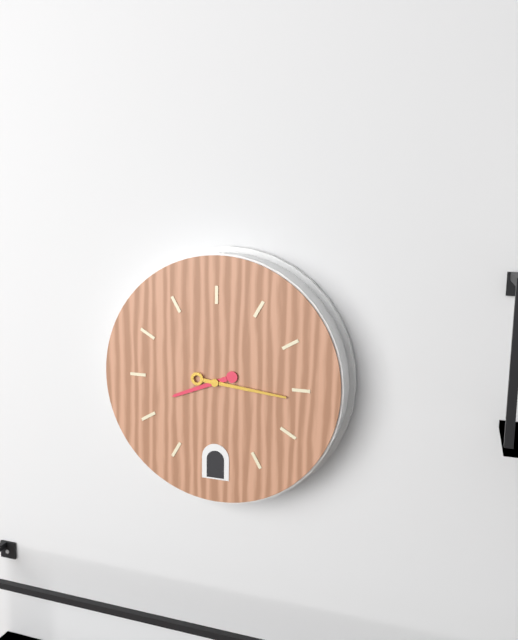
8:16
